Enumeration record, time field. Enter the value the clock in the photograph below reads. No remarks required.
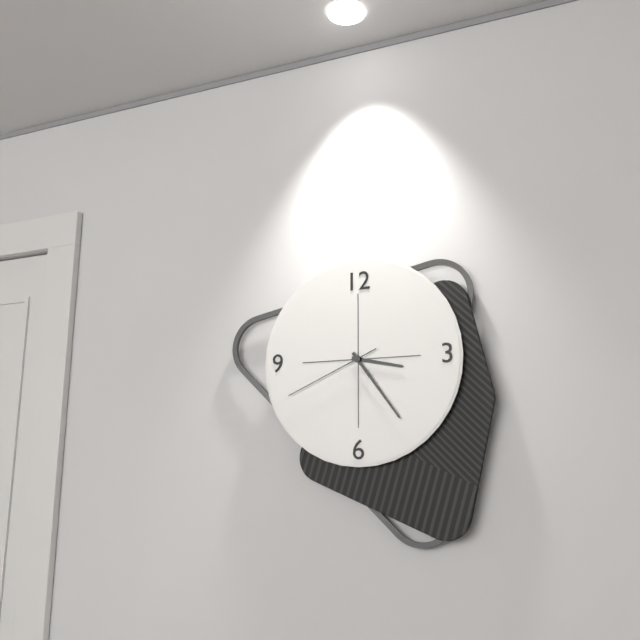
3:24:41
